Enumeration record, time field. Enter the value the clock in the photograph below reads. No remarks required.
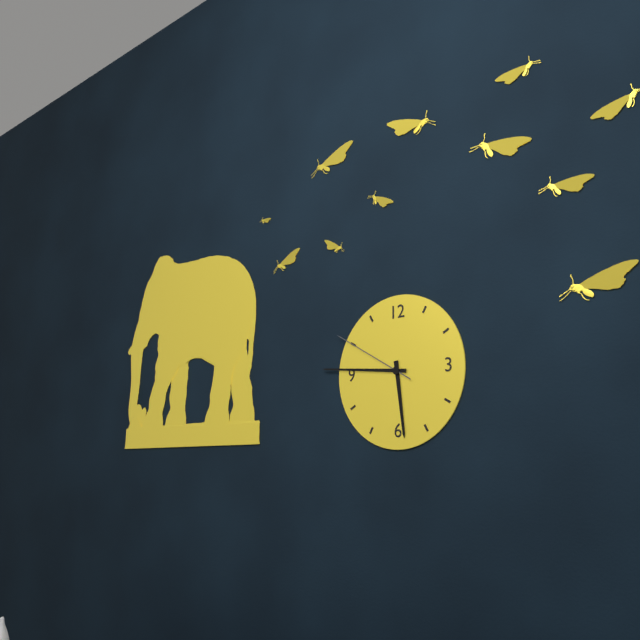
5:46:50
